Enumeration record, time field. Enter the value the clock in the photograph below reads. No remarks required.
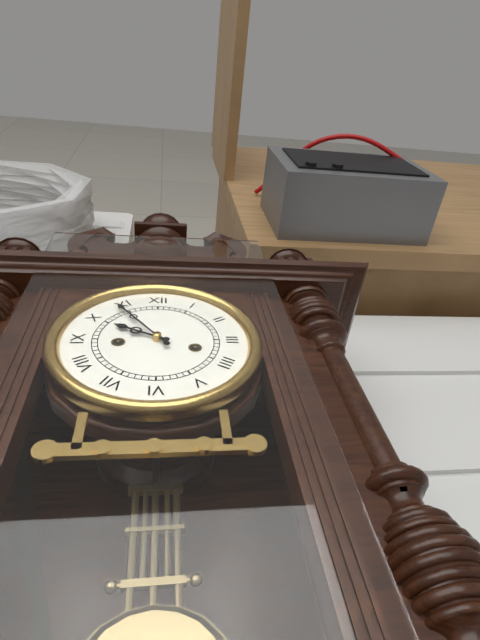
9:54
